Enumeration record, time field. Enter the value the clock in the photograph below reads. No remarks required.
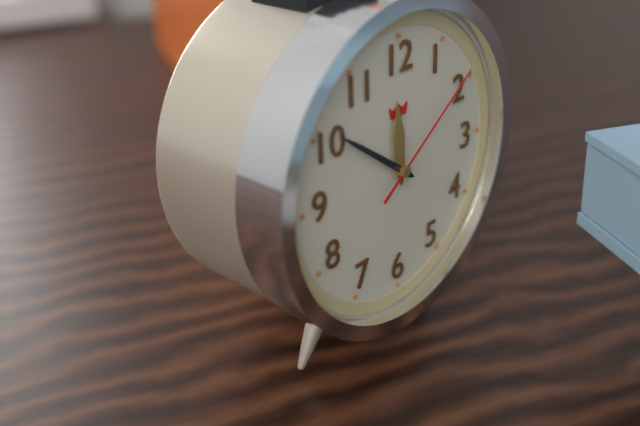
11:51:09
